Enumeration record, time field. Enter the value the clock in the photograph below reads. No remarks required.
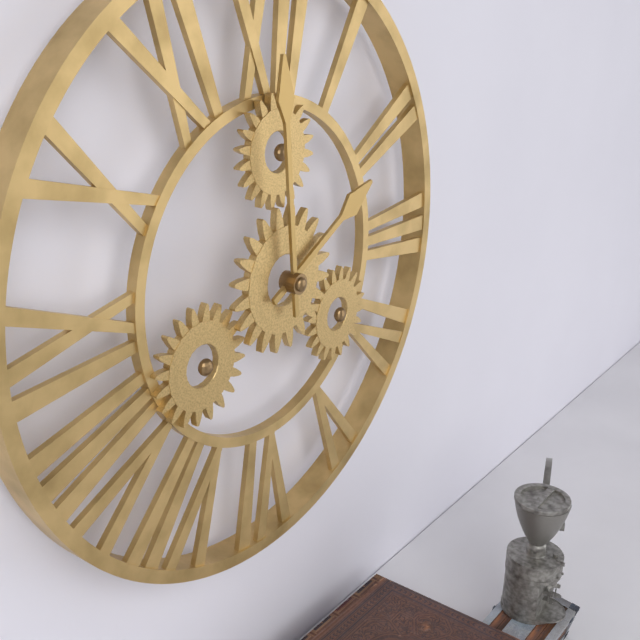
1:59
